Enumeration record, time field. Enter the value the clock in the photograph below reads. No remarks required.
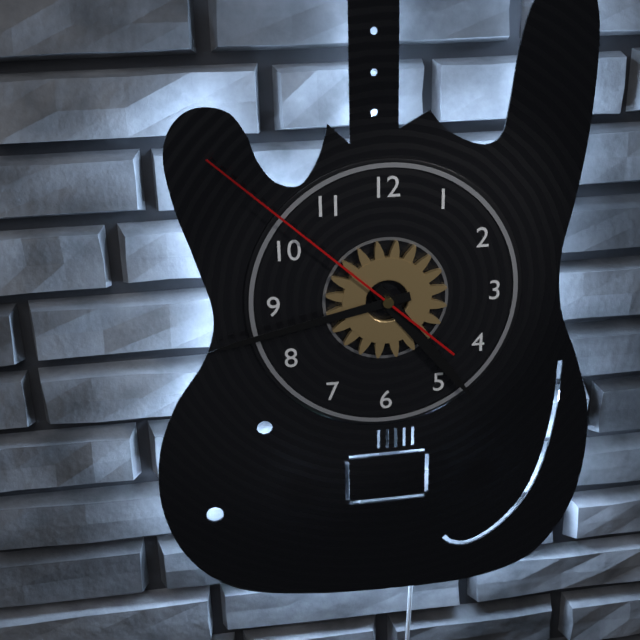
4:43:52
